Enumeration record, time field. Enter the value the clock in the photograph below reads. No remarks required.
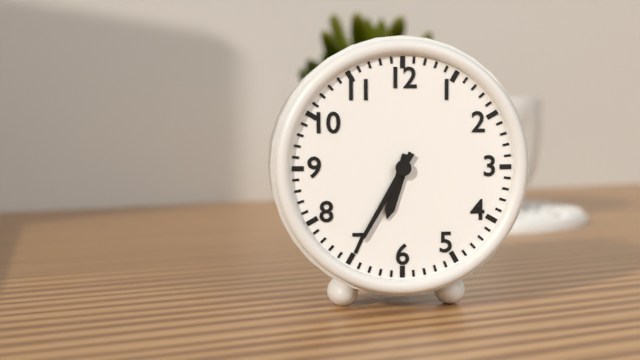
6:35
